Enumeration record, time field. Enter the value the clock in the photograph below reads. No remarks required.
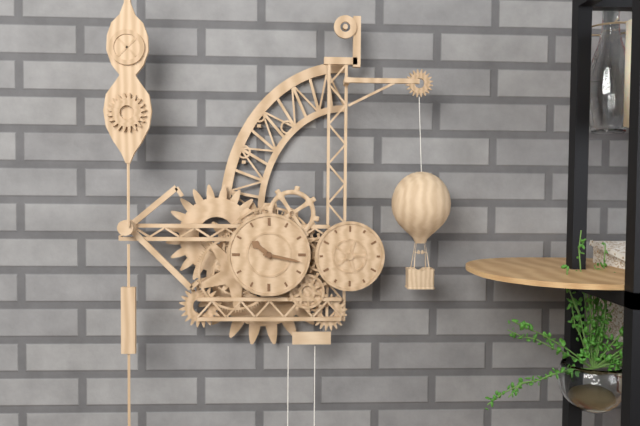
10:17
